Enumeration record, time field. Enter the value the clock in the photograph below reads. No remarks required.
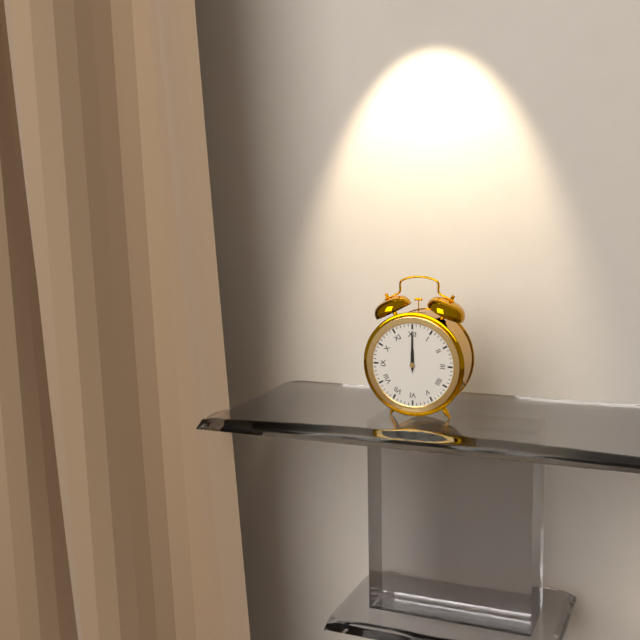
12:00
